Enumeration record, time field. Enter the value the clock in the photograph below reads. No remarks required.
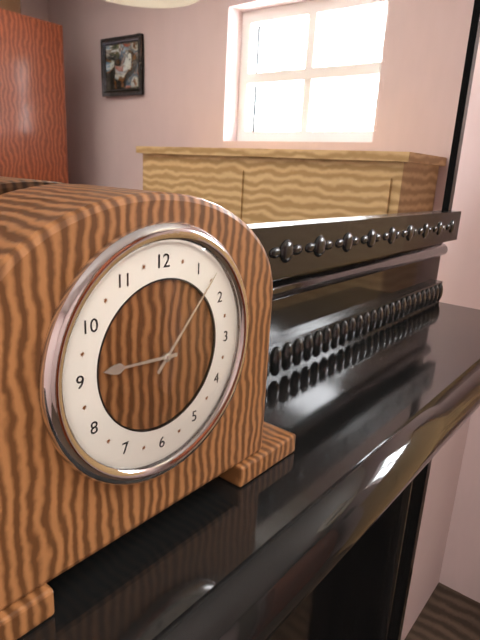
9:07
